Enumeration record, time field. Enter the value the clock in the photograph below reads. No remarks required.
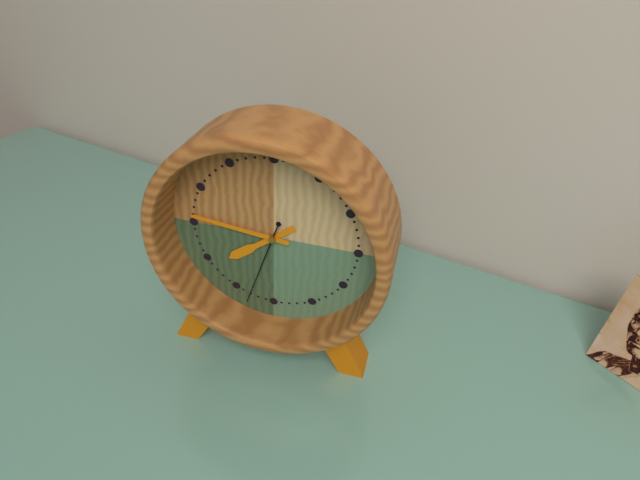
7:46:33
